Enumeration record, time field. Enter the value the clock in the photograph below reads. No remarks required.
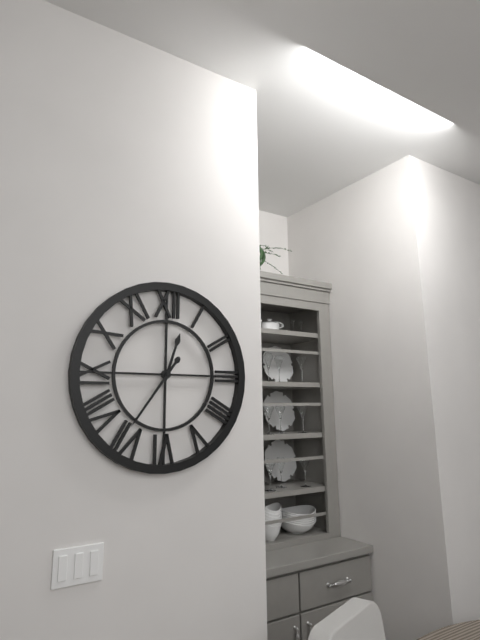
12:36
